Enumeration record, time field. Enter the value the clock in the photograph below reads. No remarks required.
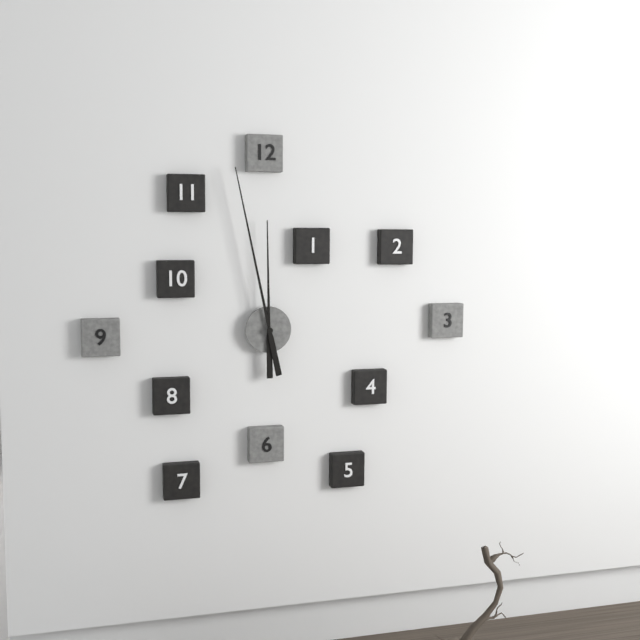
11:58
